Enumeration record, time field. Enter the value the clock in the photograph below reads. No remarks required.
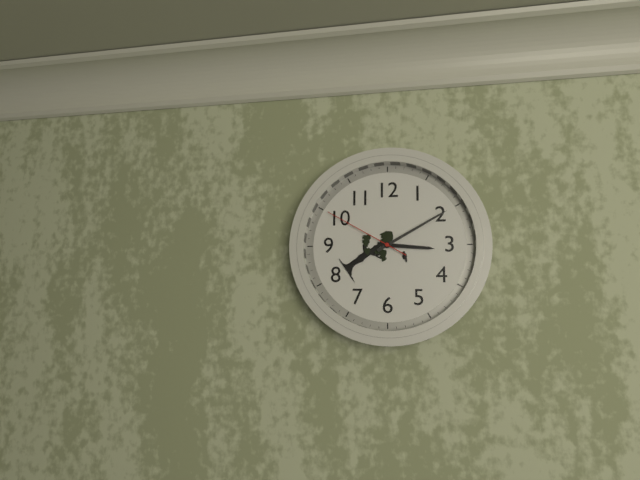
3:10:50
